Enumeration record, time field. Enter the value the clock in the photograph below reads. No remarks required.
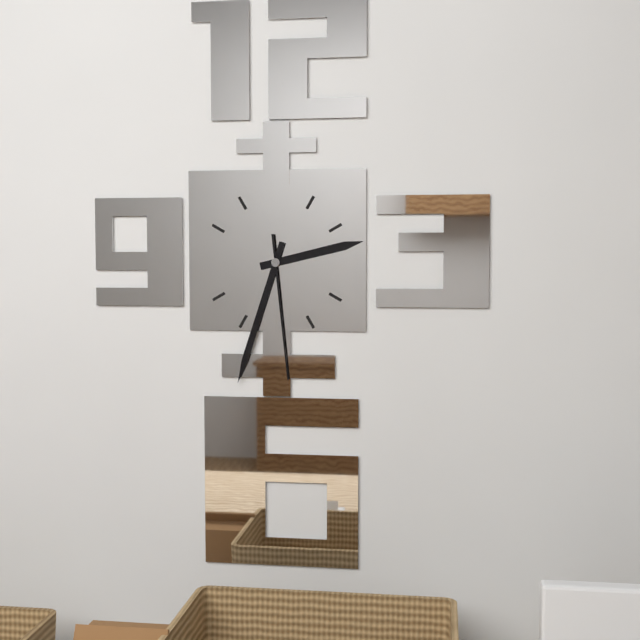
2:33:29
